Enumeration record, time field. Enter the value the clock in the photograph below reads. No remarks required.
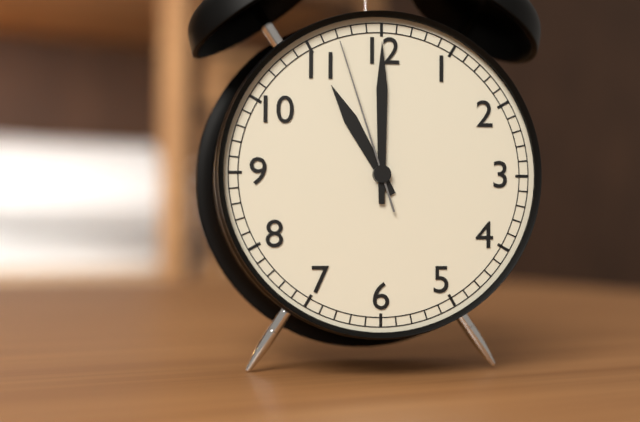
11:00:57
